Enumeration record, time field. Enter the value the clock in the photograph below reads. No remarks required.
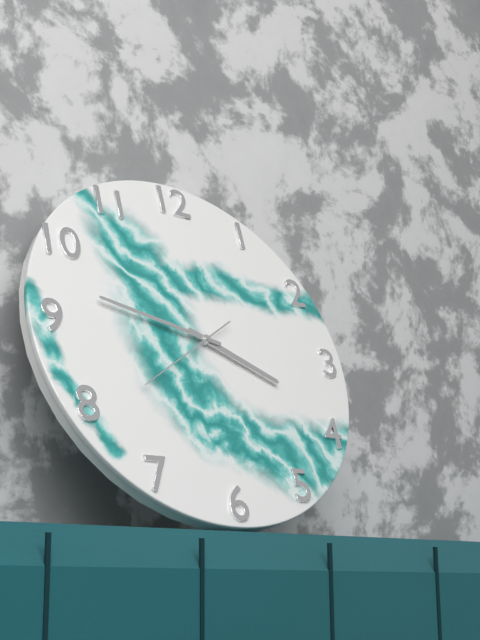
3:47:39
